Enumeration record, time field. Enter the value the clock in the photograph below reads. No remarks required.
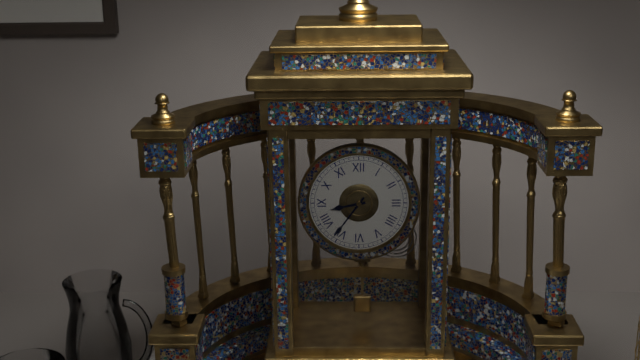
8:36
